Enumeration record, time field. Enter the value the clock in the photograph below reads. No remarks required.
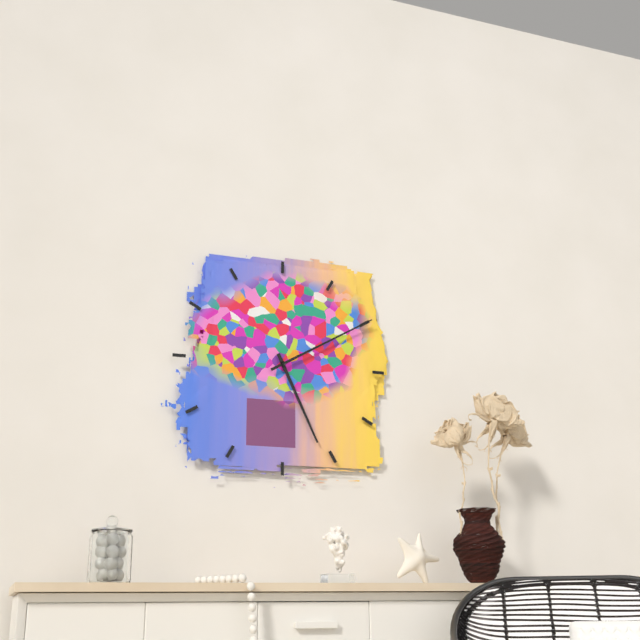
5:10
